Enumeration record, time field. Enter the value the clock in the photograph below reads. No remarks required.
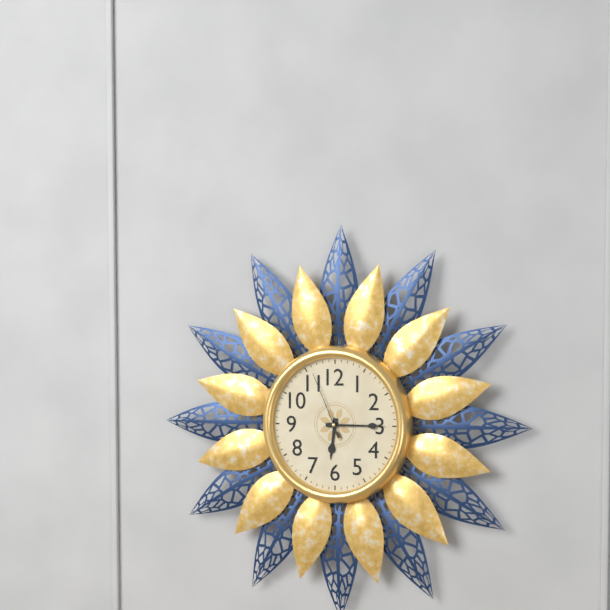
6:15:56
